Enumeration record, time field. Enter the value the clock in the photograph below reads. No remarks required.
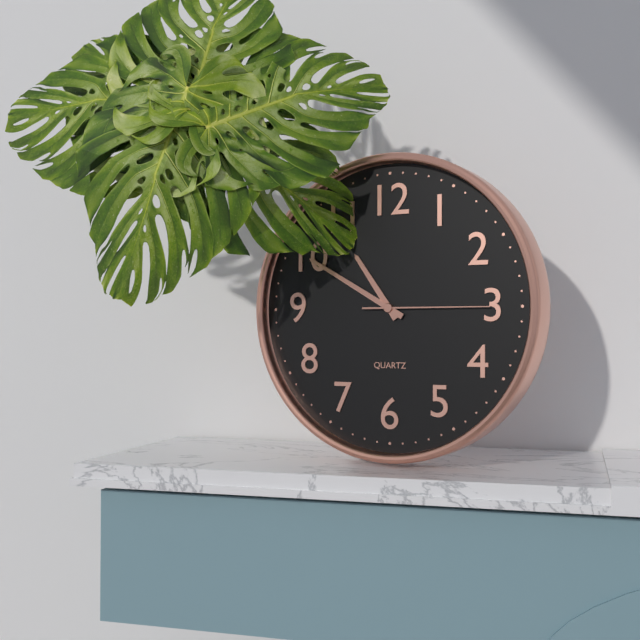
10:50:15
